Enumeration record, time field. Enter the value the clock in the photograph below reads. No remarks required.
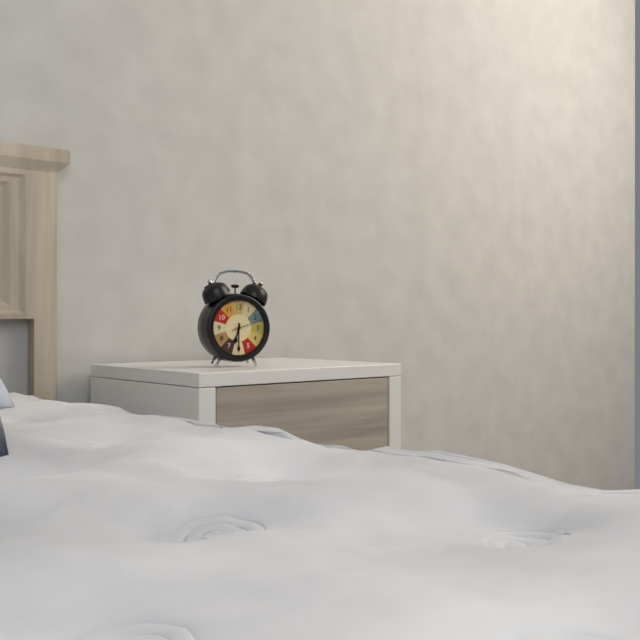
6:30
